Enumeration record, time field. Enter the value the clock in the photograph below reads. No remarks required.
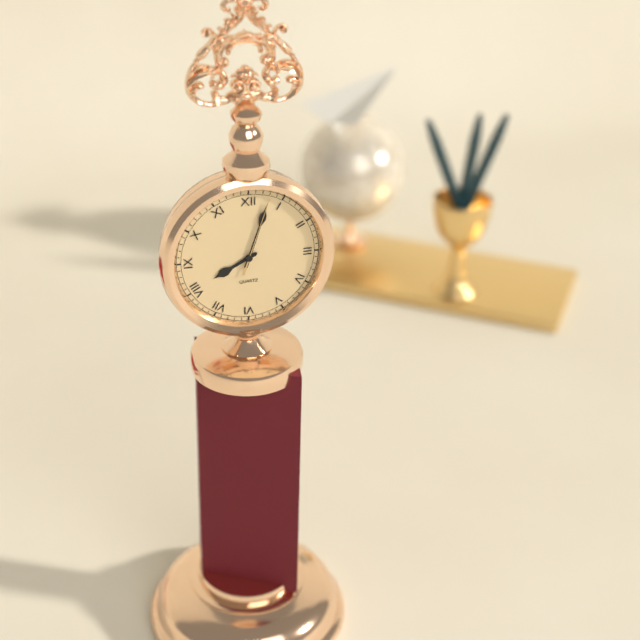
8:03:03
